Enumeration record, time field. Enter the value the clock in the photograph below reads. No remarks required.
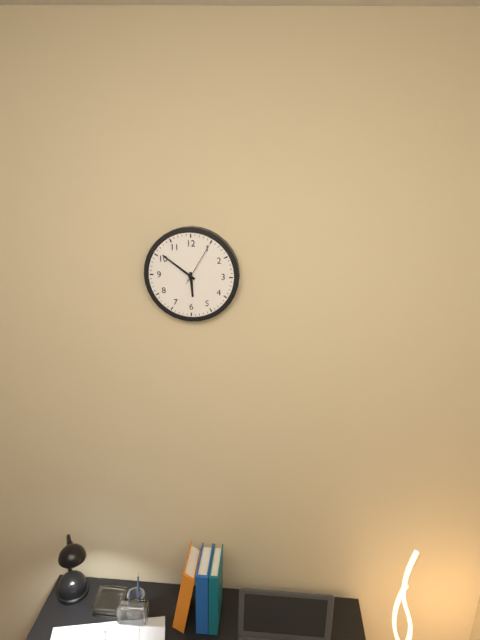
5:51
